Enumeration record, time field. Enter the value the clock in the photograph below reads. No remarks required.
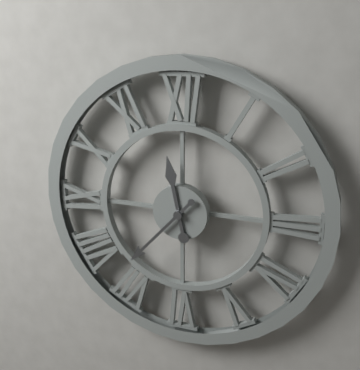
11:37
